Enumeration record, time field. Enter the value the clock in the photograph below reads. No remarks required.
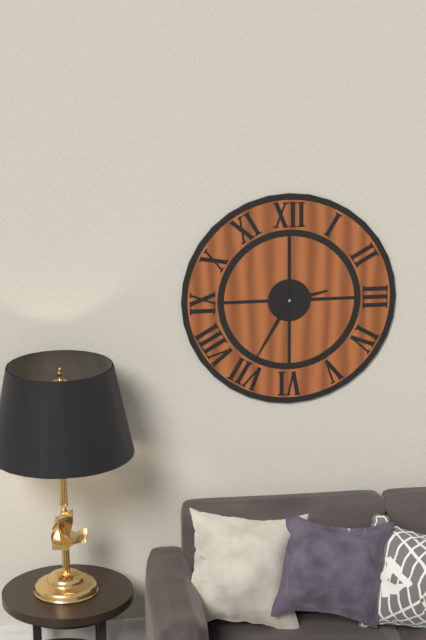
2:35:00
